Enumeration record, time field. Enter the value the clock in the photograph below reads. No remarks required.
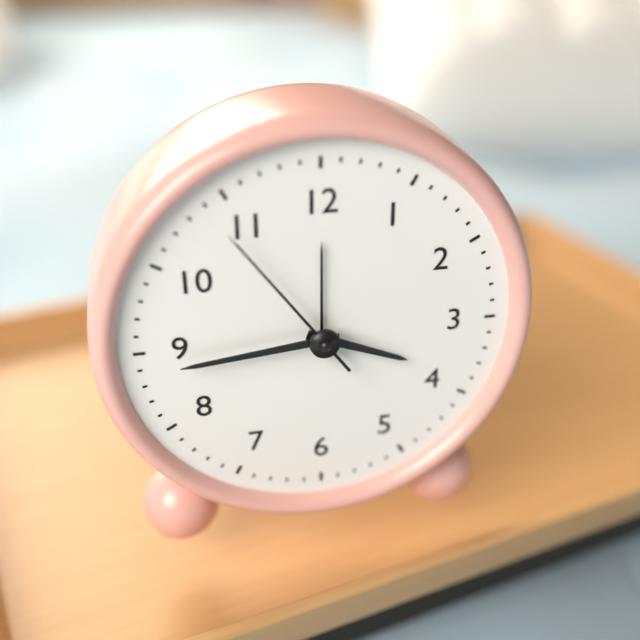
3:44:54
